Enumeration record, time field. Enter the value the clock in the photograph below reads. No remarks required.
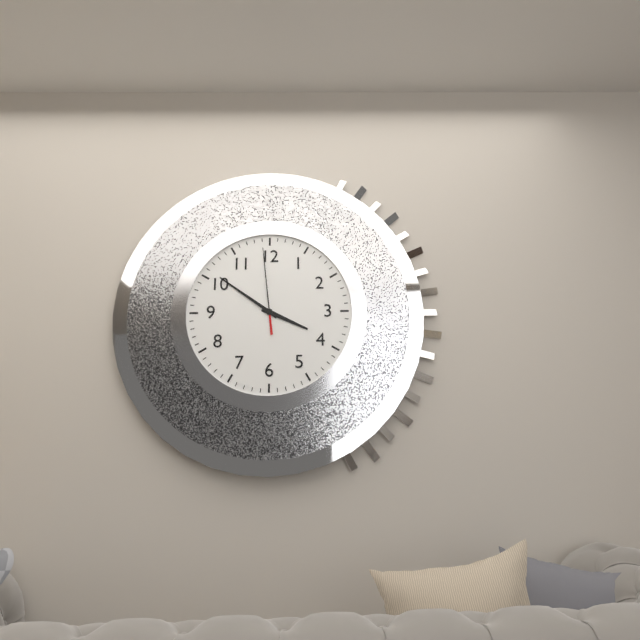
3:51:59
